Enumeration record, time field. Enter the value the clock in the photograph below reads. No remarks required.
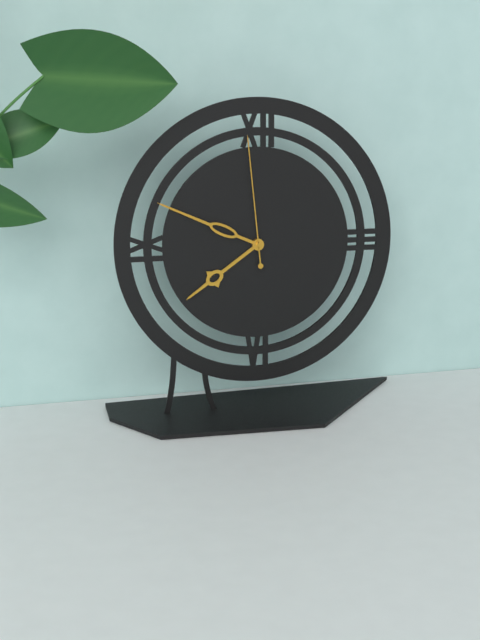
7:49:59
